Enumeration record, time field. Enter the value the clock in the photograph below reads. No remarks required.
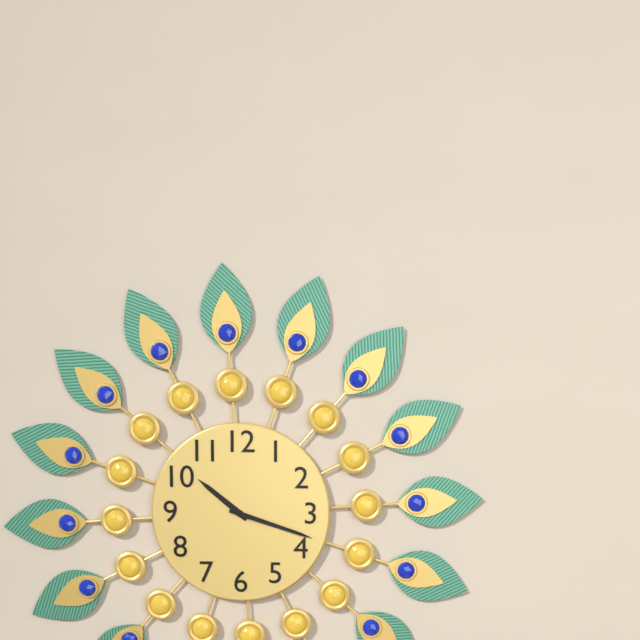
10:18
